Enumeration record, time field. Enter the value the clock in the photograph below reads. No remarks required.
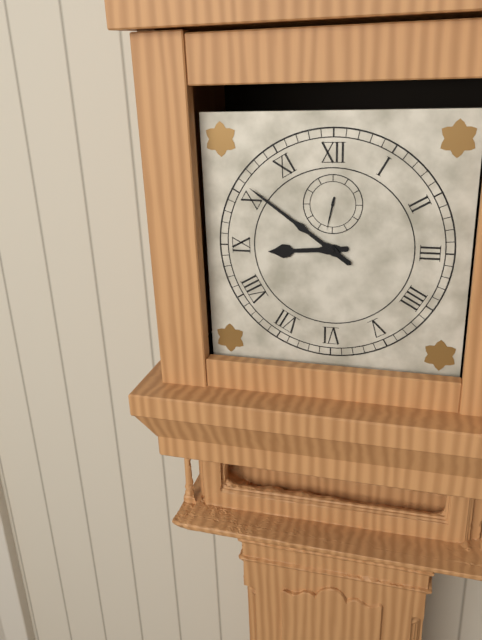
8:51
